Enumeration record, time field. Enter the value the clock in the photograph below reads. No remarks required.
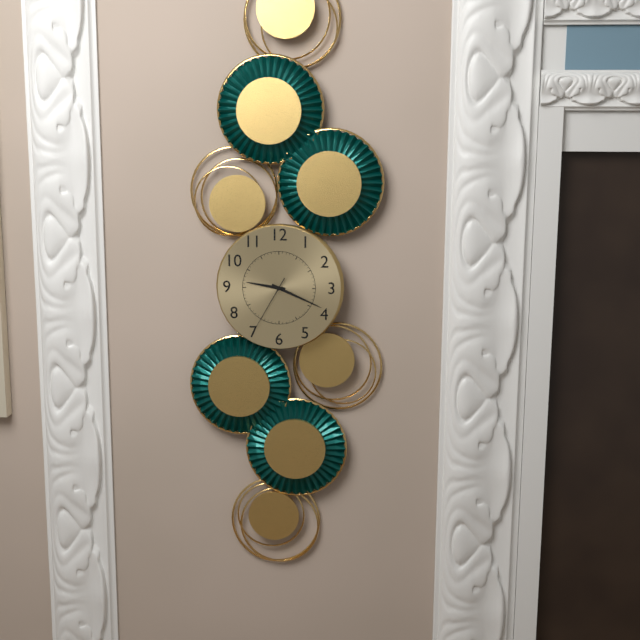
9:19:35
